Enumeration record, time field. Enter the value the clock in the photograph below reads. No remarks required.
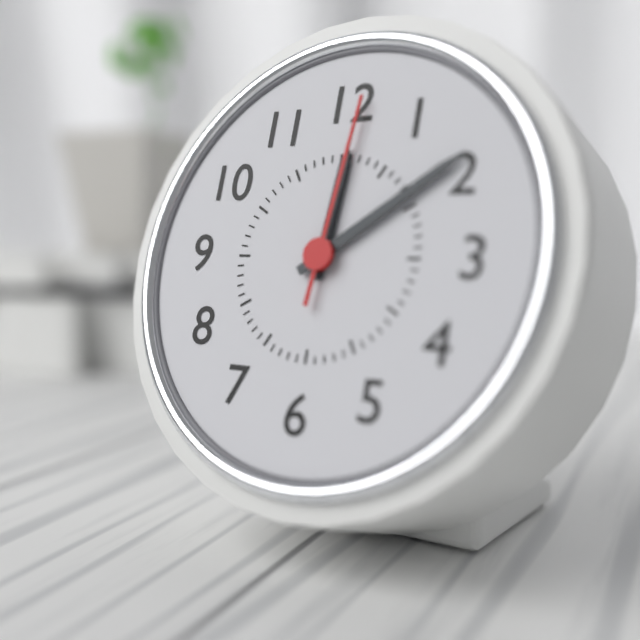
12:09:01
